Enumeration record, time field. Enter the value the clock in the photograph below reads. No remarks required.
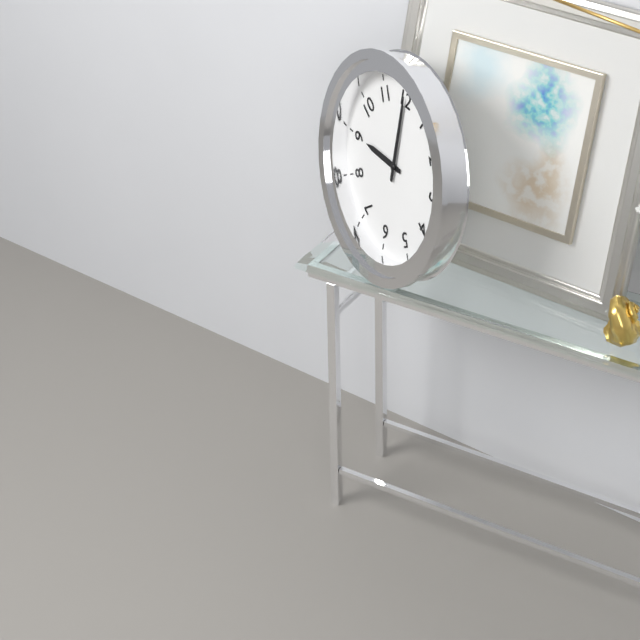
9:00
